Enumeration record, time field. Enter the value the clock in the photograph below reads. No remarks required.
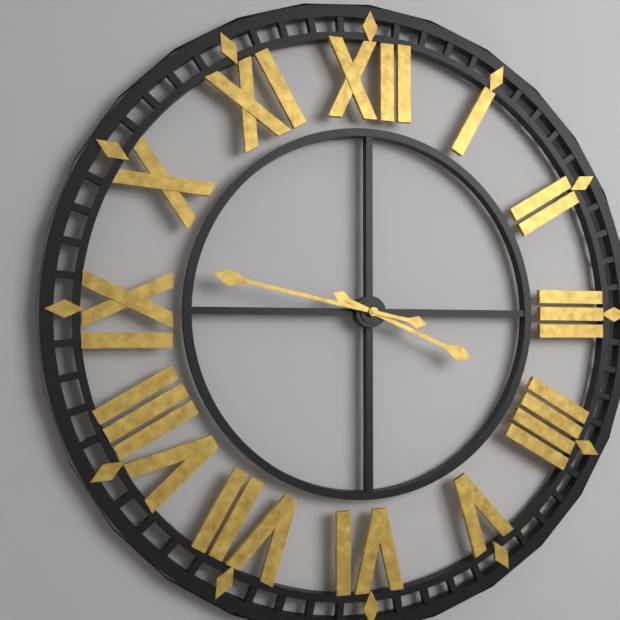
3:47
